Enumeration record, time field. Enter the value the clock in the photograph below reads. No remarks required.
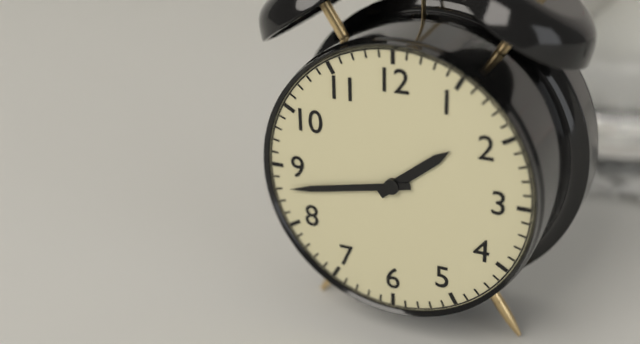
1:43
